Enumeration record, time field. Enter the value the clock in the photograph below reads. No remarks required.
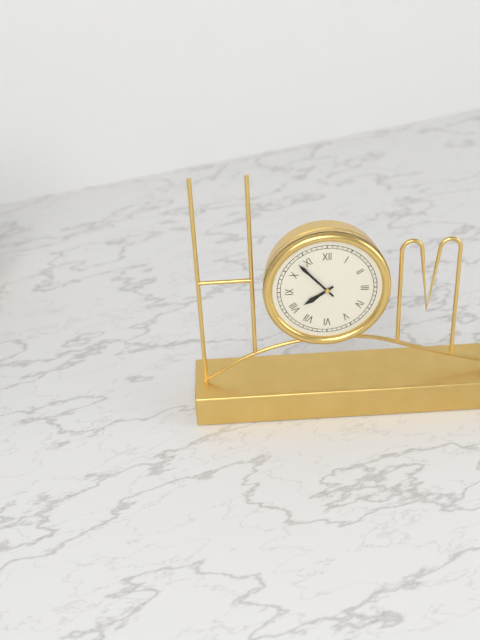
7:53
